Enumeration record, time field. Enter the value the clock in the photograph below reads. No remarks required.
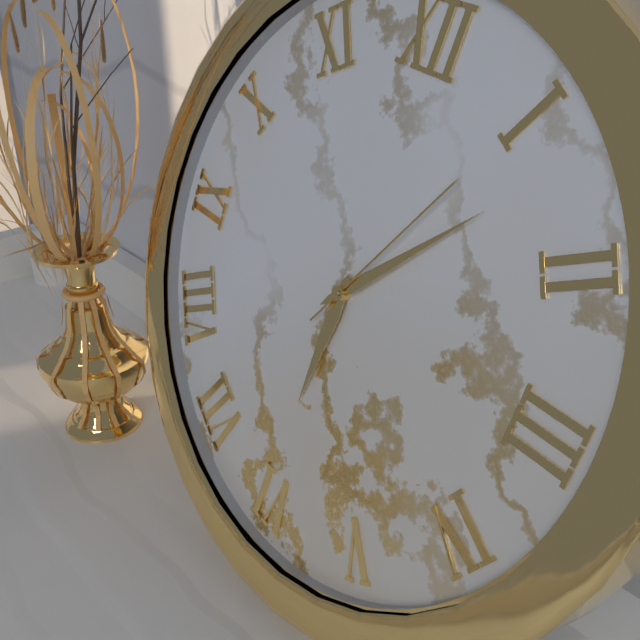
6:07:05
